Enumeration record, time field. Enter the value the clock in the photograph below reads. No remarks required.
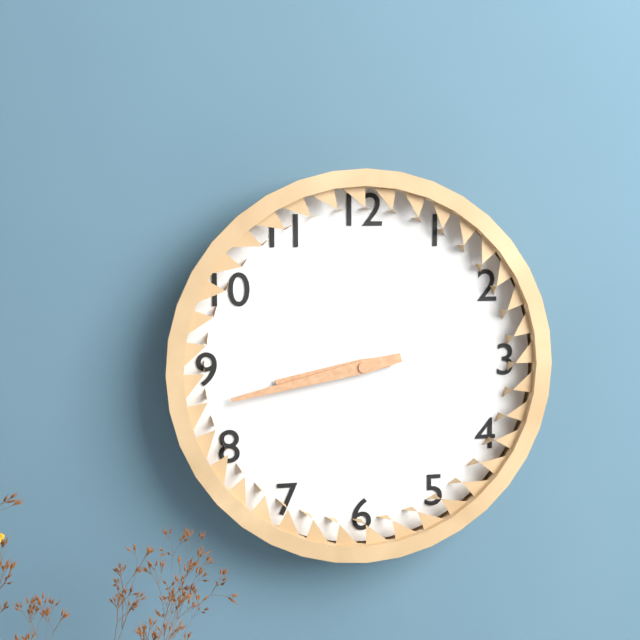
8:43
